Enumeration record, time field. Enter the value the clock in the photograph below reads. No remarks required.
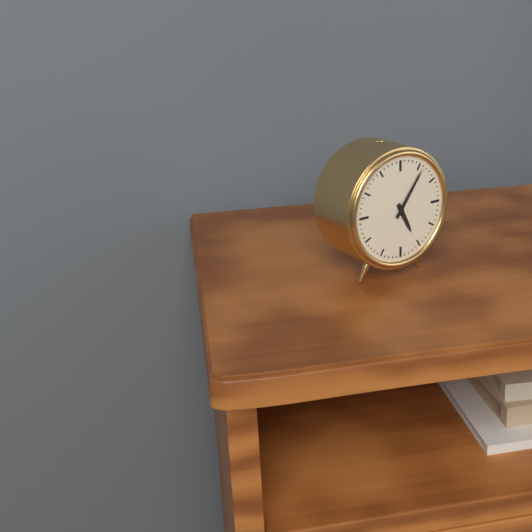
5:06
